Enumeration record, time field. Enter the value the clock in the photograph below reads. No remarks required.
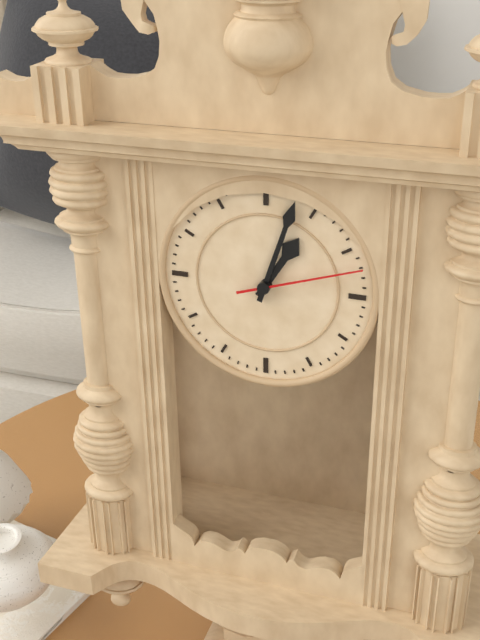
1:03:12
